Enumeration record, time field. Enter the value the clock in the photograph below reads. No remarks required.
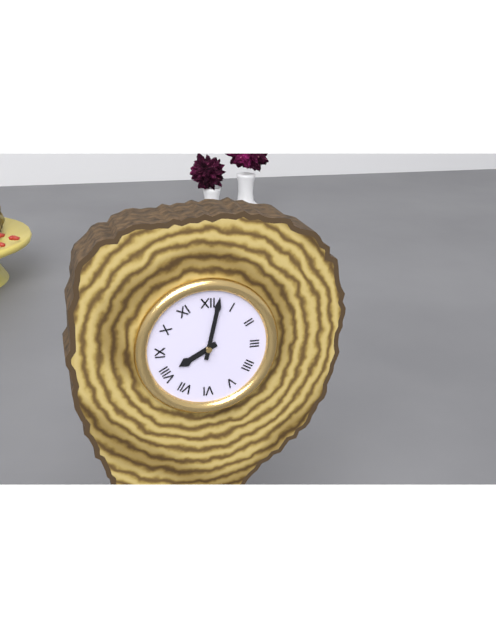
8:02
